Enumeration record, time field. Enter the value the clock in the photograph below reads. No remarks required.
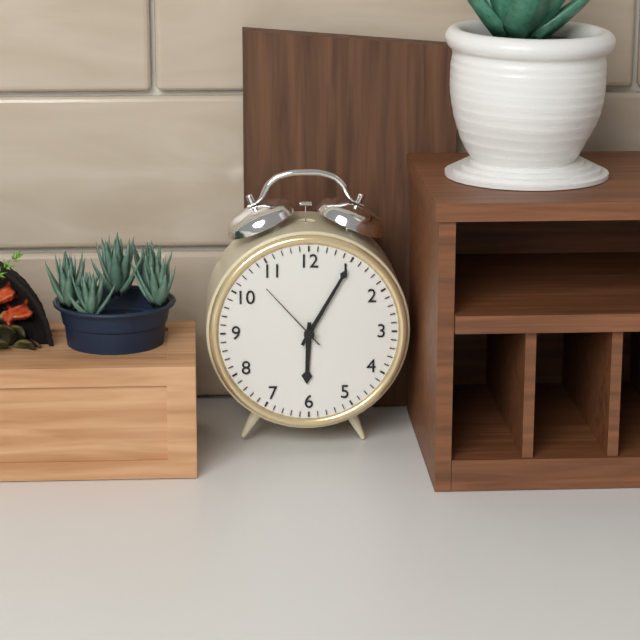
6:05:53
